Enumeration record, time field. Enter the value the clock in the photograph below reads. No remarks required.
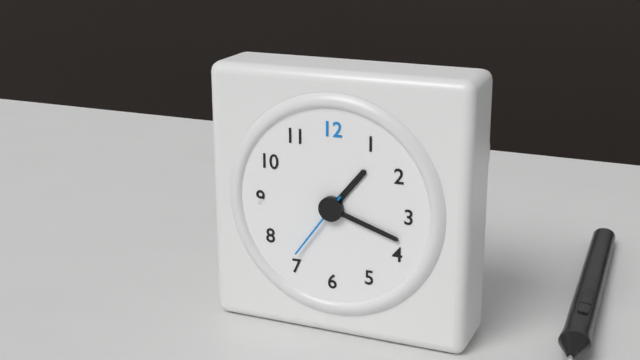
1:18:36
